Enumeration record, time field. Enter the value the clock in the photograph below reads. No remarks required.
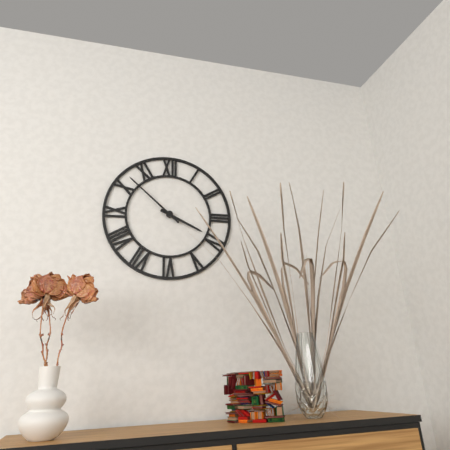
3:52
